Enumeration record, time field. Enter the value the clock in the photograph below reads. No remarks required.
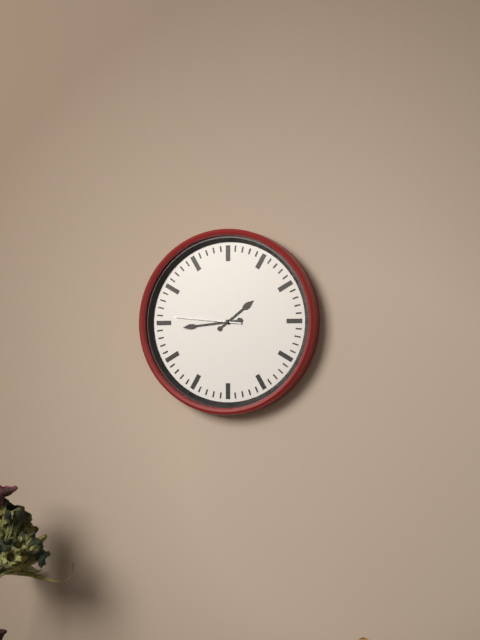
1:44:46
